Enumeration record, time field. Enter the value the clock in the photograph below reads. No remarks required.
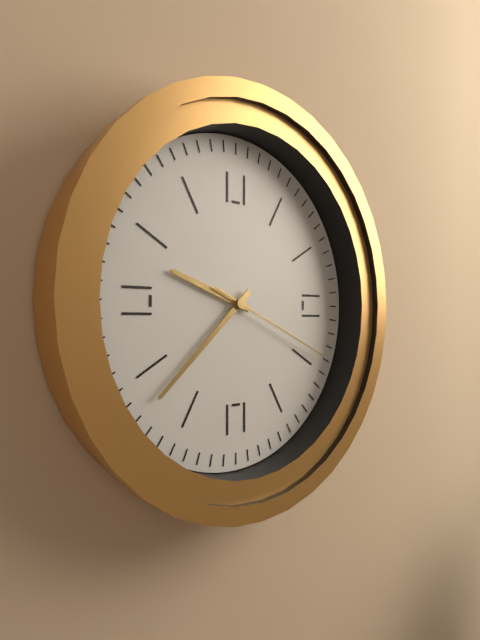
9:38:19
